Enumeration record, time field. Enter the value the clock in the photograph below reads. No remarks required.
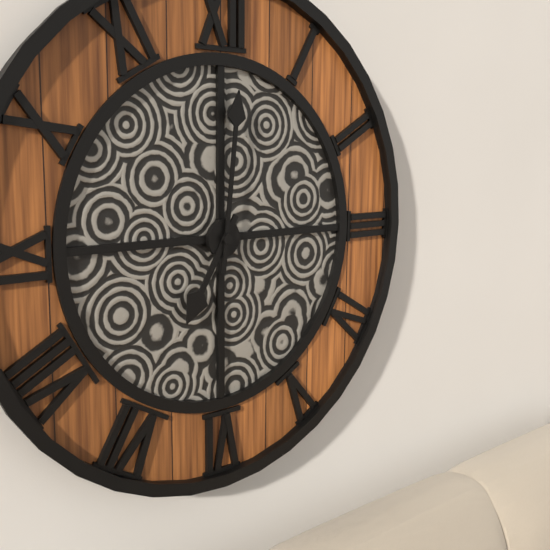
7:01
